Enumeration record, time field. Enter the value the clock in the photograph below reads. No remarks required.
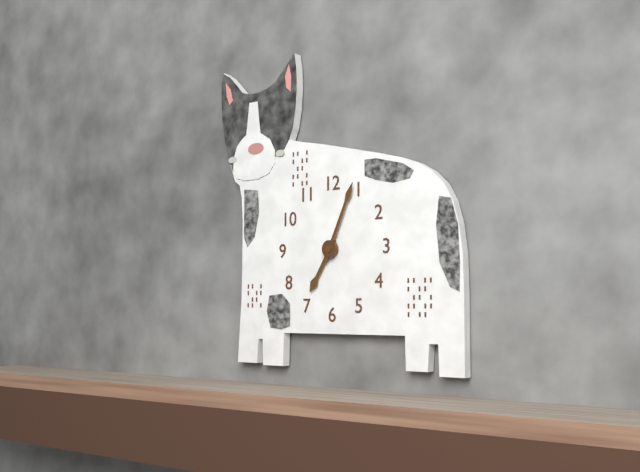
7:04
